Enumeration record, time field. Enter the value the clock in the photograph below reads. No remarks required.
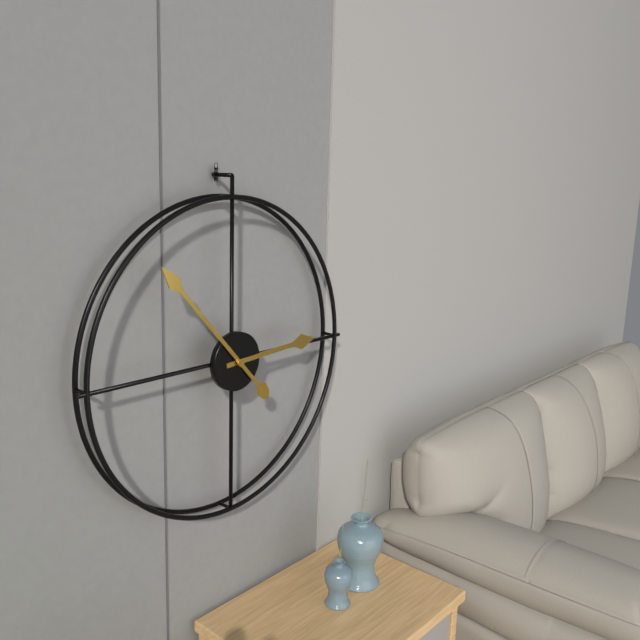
2:53
